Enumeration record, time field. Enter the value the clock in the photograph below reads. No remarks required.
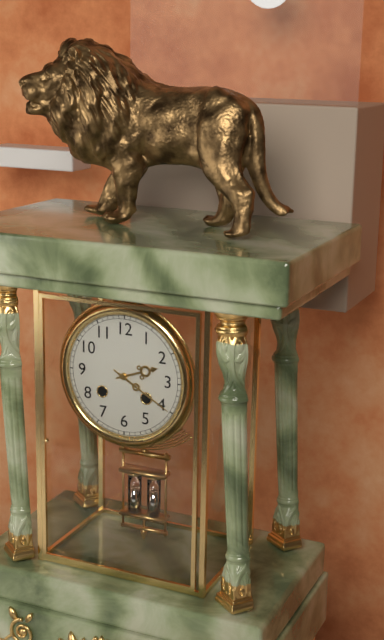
2:20
